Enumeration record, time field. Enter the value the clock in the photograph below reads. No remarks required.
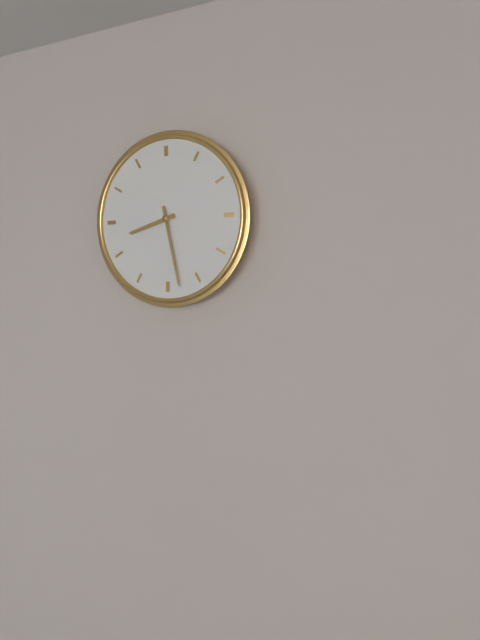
8:28
